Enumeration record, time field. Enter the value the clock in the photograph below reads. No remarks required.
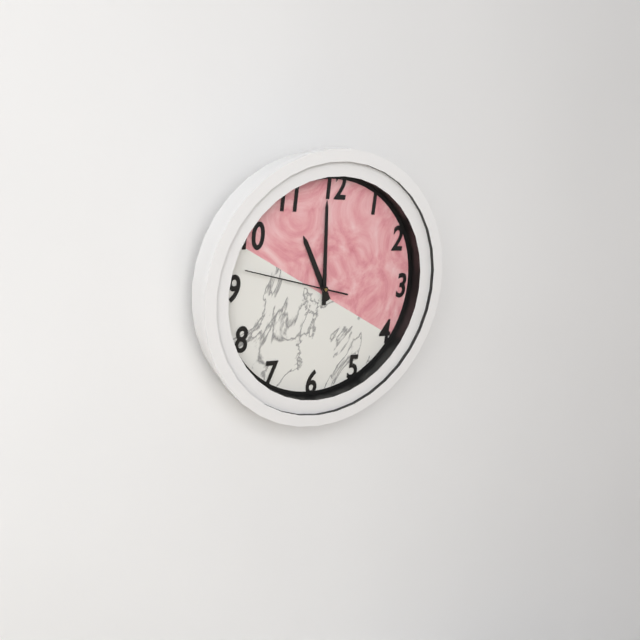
10:59:47
